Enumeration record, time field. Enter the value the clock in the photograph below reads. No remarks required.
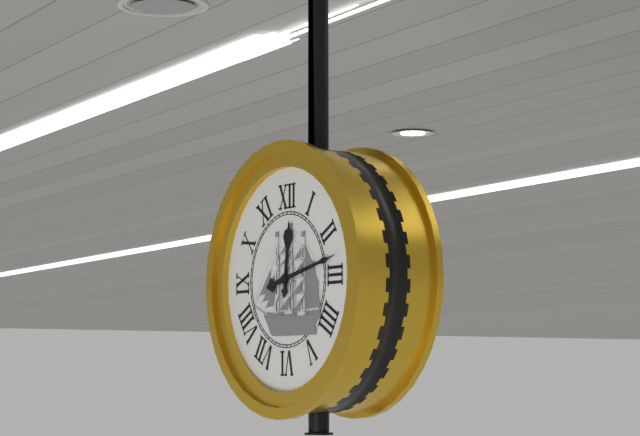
12:13
